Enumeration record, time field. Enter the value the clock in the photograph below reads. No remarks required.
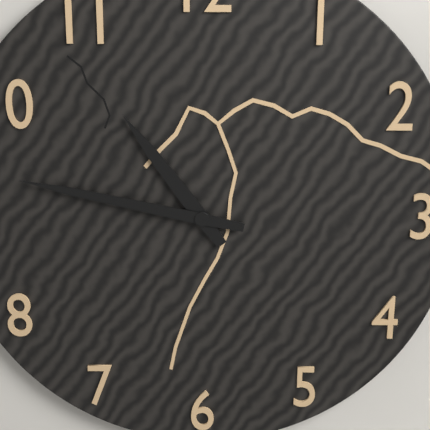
10:47
